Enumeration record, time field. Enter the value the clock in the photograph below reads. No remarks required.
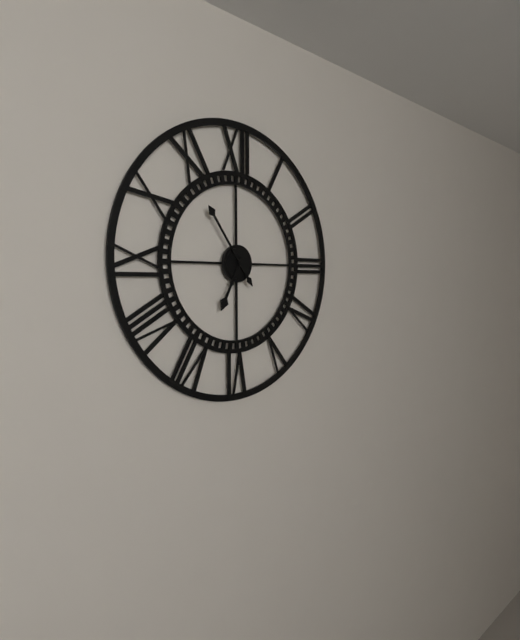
6:54
